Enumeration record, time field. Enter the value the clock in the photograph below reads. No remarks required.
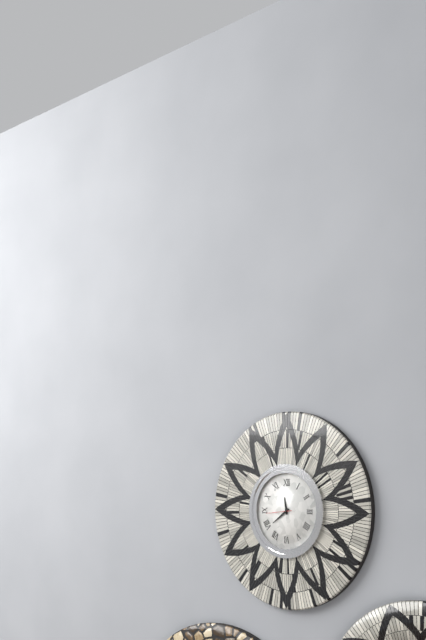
11:39
